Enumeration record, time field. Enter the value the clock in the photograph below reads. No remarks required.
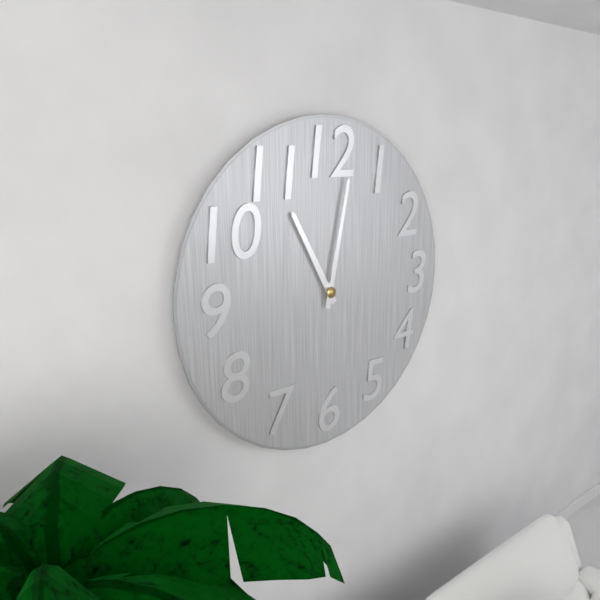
11:02
